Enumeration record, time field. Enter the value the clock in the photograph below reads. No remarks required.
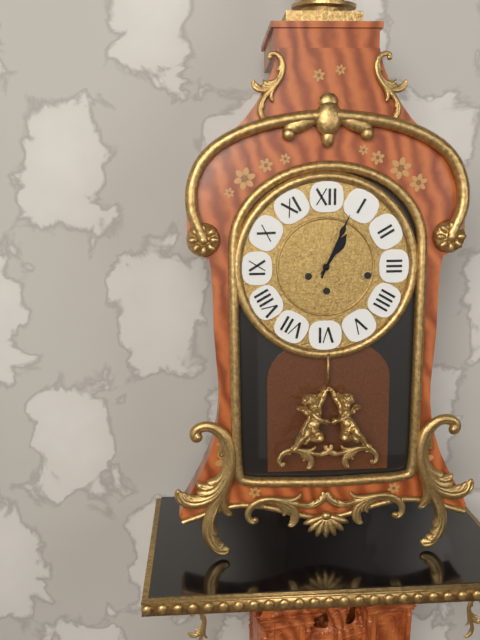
1:04
